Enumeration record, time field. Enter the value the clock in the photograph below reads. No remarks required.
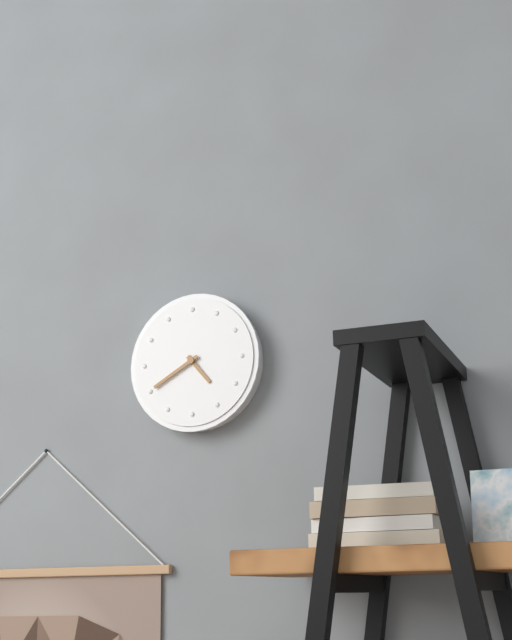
4:40
